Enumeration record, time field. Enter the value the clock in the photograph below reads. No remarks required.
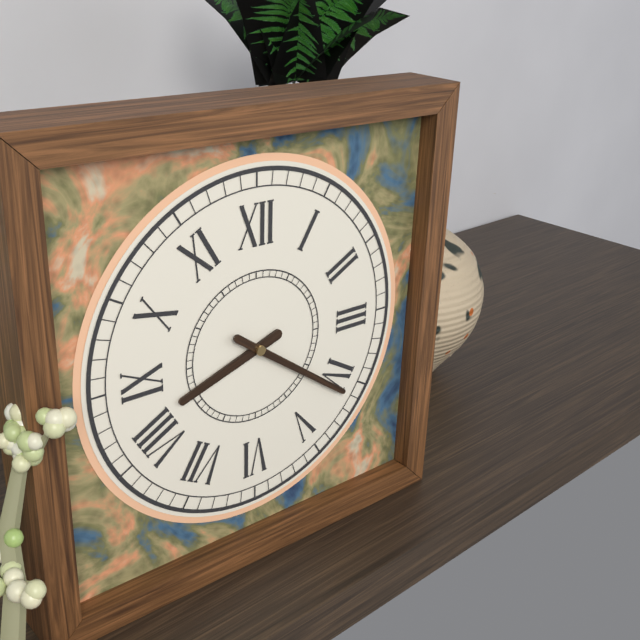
8:21
